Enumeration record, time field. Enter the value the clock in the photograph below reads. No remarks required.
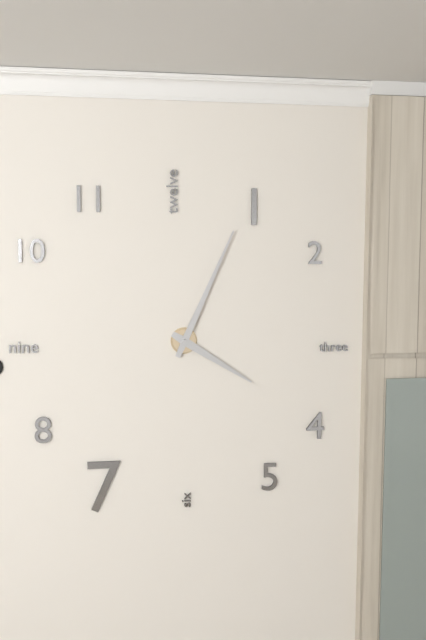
4:04
